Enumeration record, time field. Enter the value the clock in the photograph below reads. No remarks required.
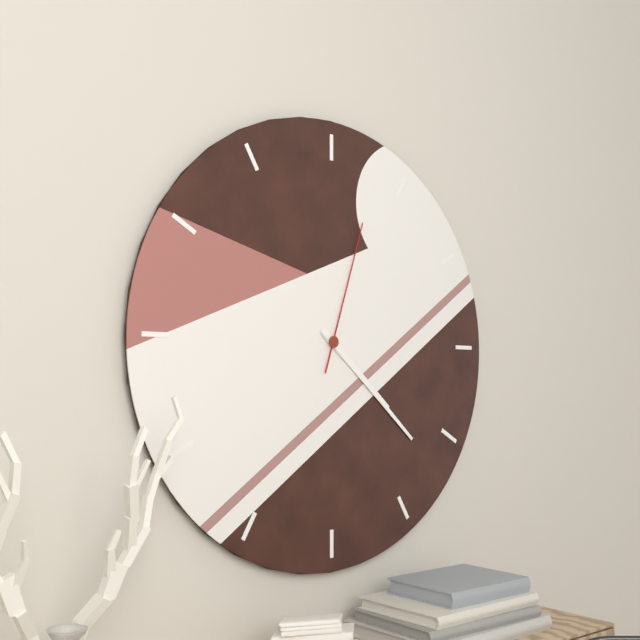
4:22:03
